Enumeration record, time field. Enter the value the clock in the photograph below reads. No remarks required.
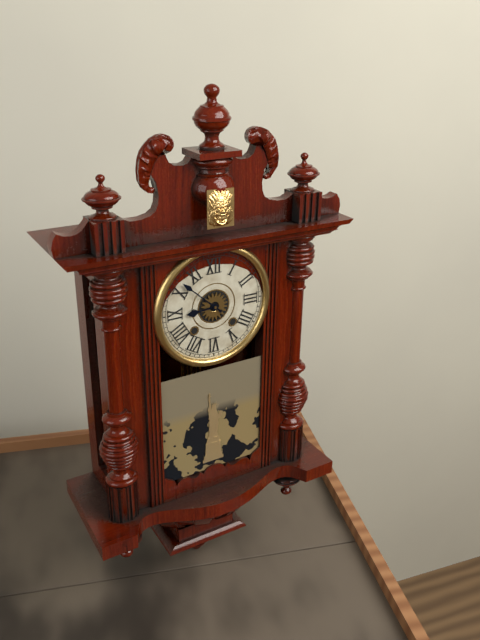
8:52
